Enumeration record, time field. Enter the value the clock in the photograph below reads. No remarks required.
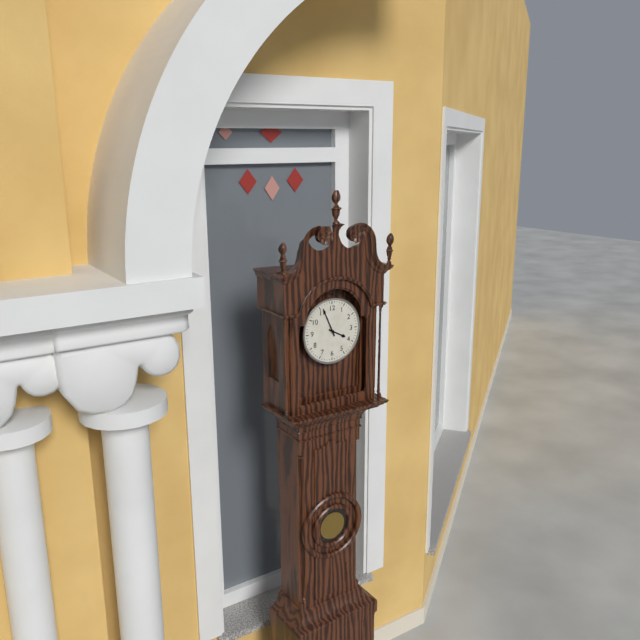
3:56
